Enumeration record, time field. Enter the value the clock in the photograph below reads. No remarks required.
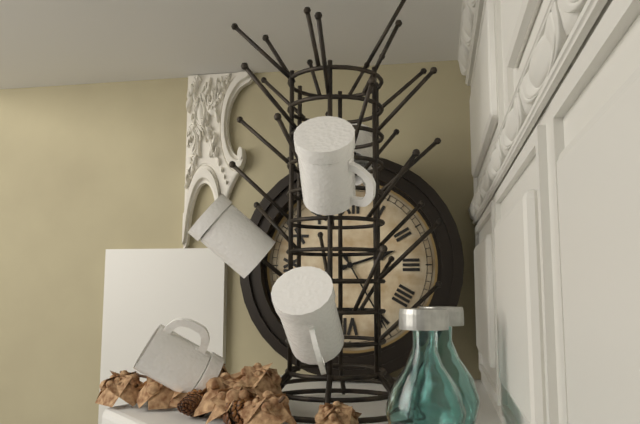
2:25
